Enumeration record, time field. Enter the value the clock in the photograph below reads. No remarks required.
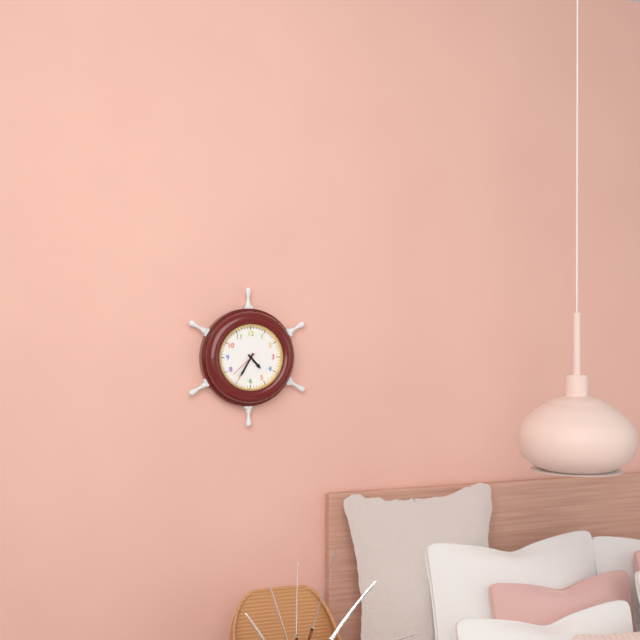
4:35
